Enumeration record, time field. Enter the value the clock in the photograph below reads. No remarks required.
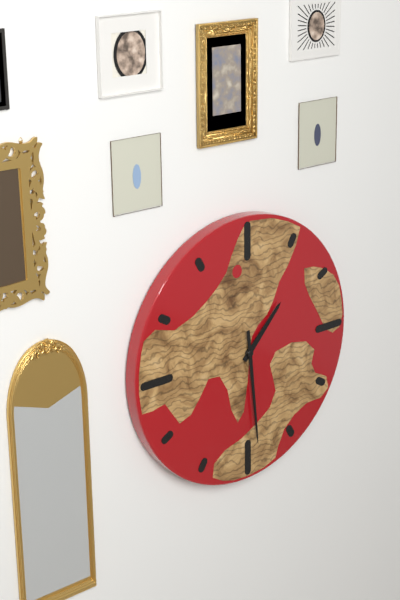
1:29
